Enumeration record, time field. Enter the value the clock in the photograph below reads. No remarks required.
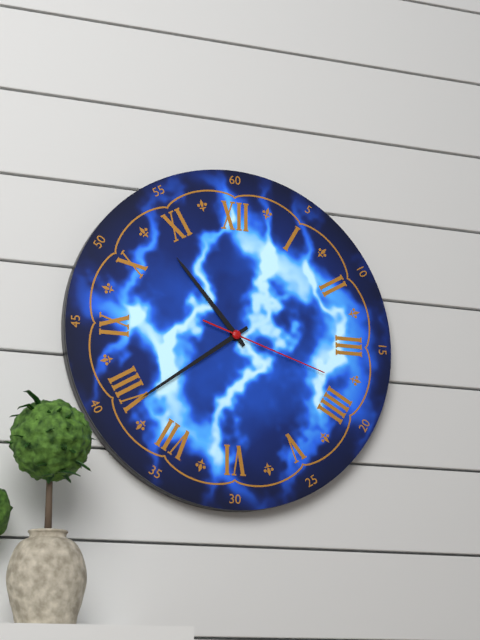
10:39:18
